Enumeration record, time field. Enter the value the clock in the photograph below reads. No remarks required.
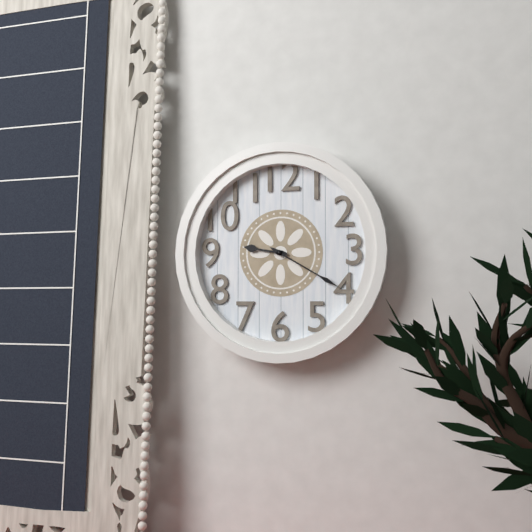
9:20
